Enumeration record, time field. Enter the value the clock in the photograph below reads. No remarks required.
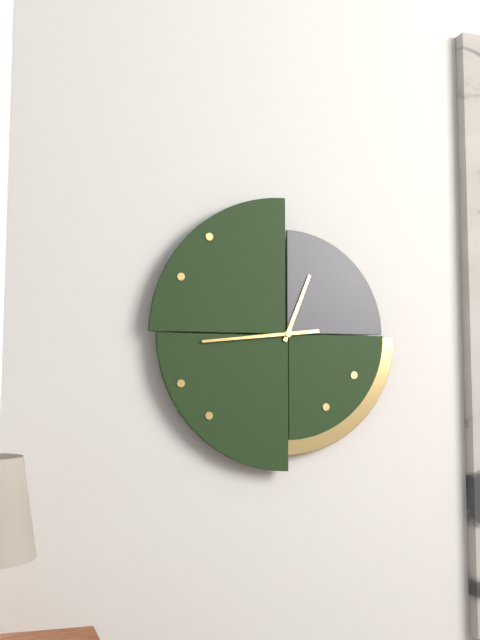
12:44
